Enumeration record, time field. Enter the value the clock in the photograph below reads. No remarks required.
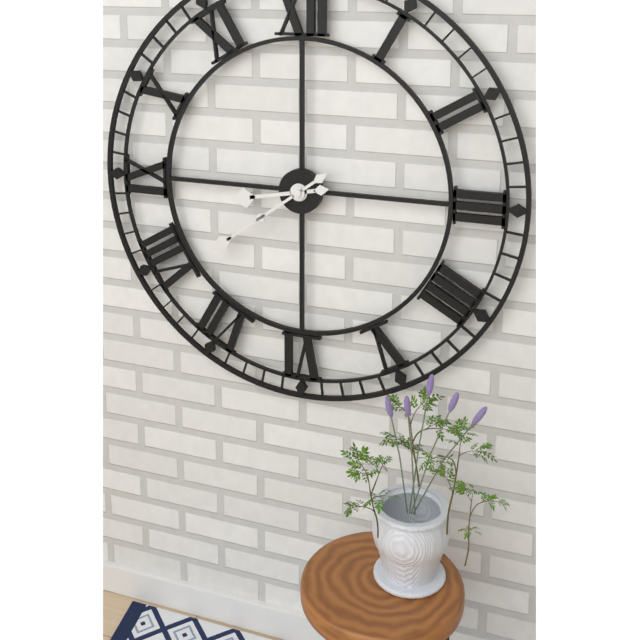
8:39
